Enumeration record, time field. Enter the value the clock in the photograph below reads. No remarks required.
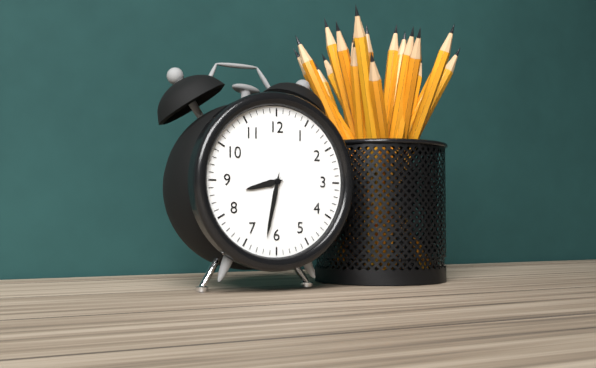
8:32
